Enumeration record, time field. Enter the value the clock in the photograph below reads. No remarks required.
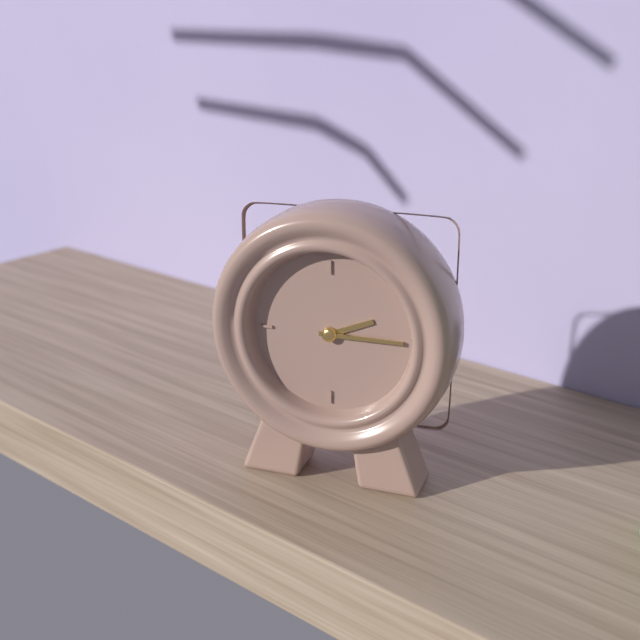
2:15
